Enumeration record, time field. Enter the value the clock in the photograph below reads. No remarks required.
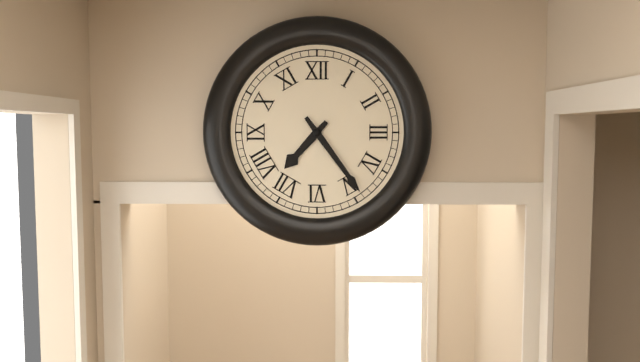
7:24
